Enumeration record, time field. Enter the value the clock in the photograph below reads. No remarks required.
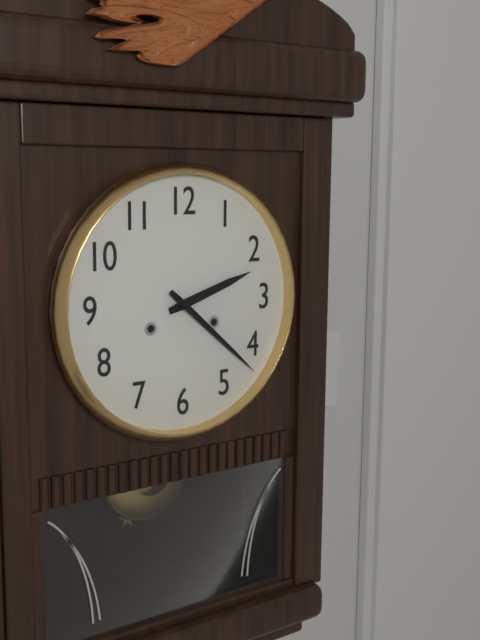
2:22
